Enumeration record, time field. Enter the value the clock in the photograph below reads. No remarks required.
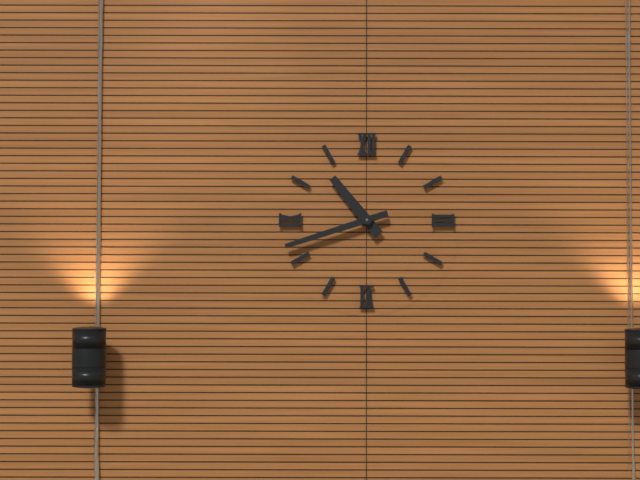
10:42
